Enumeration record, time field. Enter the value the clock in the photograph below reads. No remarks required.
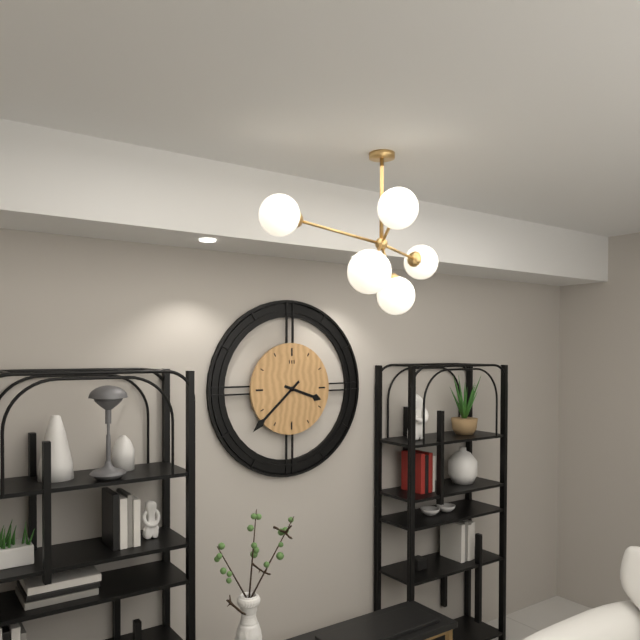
3:38
